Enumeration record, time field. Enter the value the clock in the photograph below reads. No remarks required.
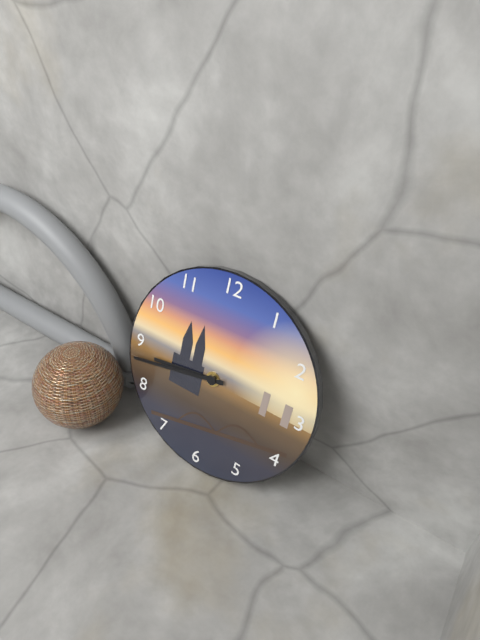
8:43
